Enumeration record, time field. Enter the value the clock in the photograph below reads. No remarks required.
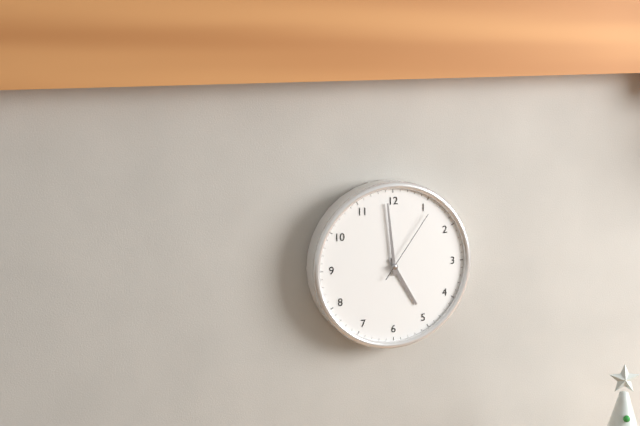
4:59:06
